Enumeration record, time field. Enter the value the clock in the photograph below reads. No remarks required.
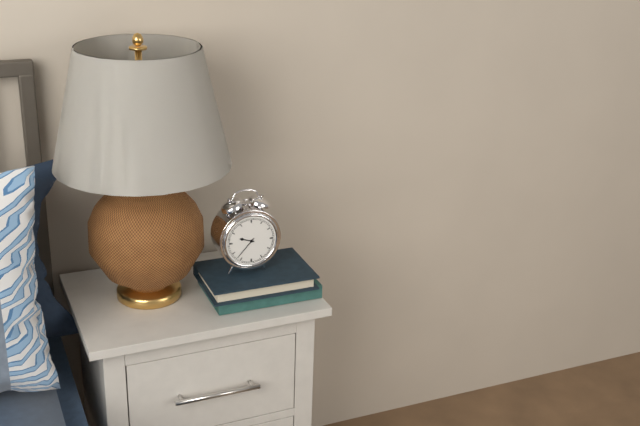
9:37
